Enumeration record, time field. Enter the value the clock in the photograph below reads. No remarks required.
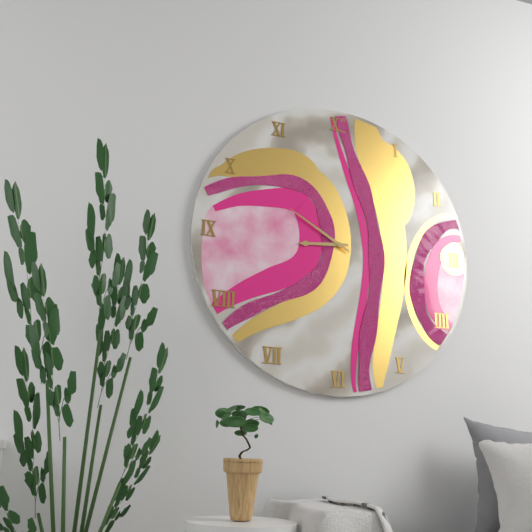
8:50
